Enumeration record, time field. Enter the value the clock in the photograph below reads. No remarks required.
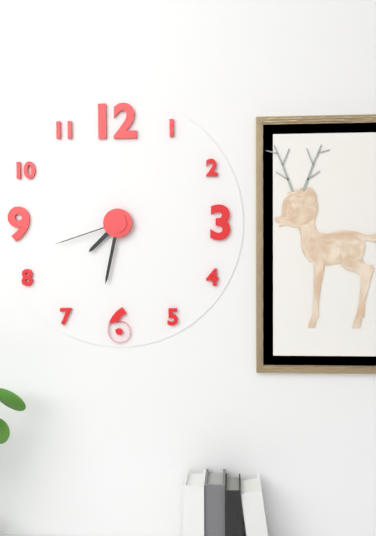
7:32:42
